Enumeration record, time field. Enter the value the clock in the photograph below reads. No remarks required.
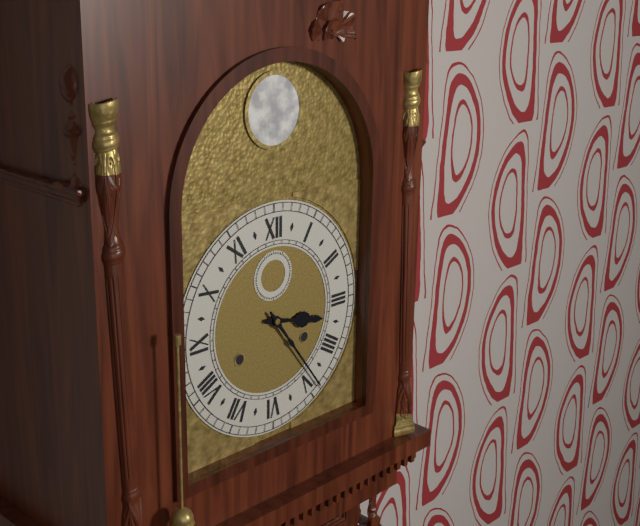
3:24
